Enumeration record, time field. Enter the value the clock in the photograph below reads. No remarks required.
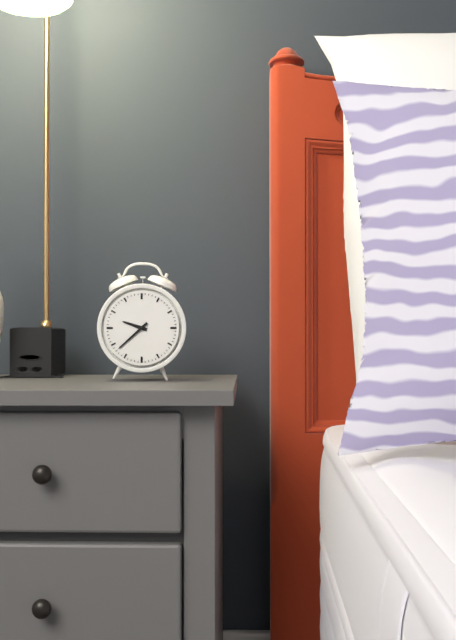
9:38
